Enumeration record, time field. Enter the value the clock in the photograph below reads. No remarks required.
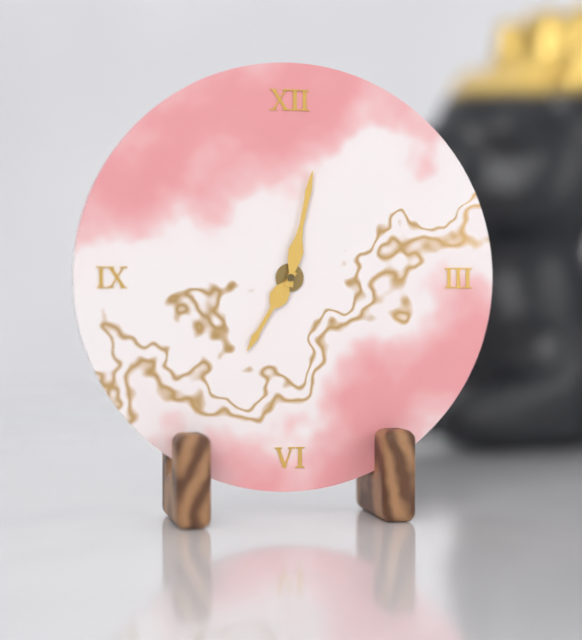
7:02
